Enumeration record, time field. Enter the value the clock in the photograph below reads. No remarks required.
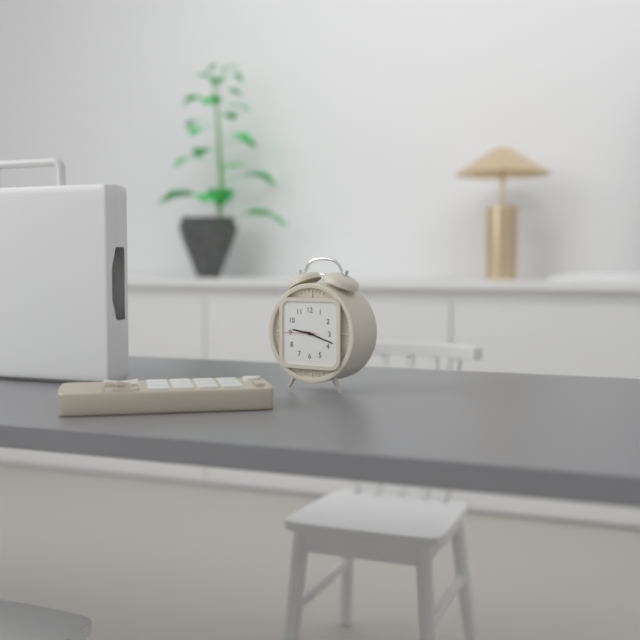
9:18
